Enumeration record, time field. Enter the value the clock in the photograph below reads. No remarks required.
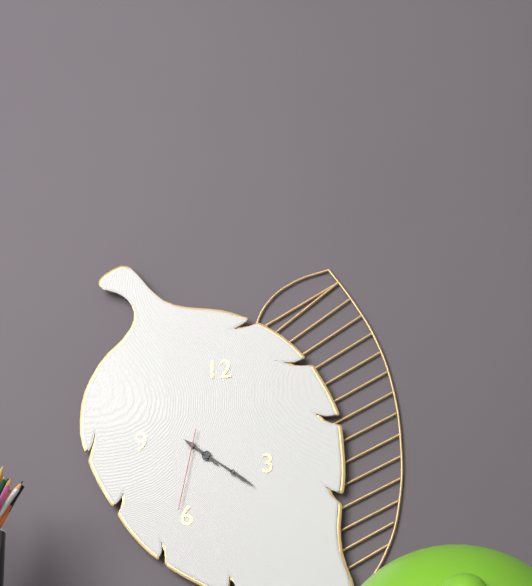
4:21:32
